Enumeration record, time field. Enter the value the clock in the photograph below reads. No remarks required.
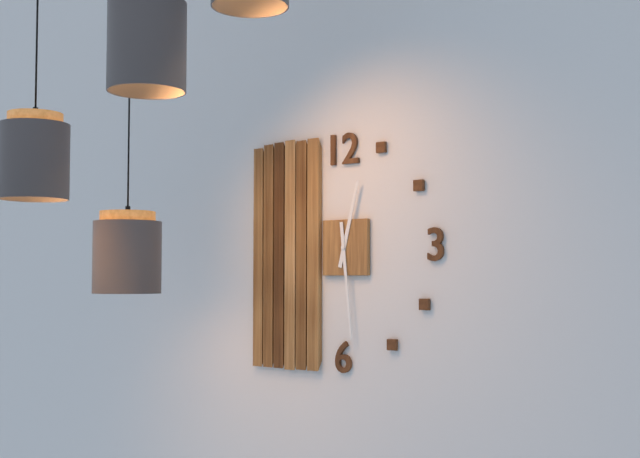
12:29
